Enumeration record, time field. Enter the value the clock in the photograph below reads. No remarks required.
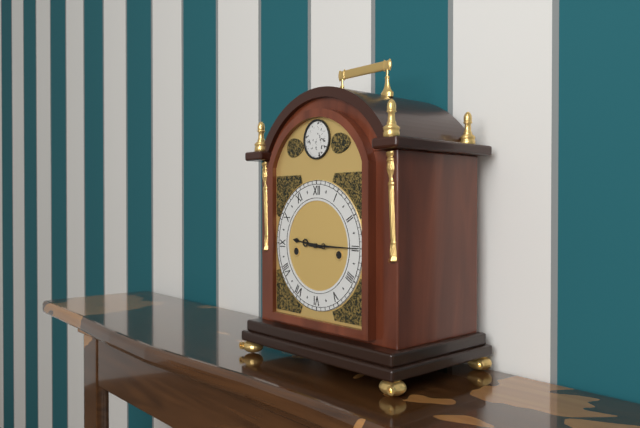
9:15
